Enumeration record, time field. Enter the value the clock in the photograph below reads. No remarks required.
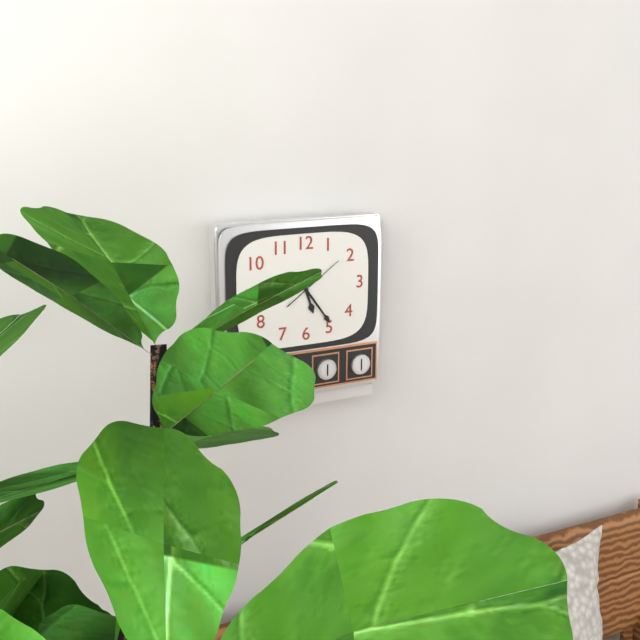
5:24:09
